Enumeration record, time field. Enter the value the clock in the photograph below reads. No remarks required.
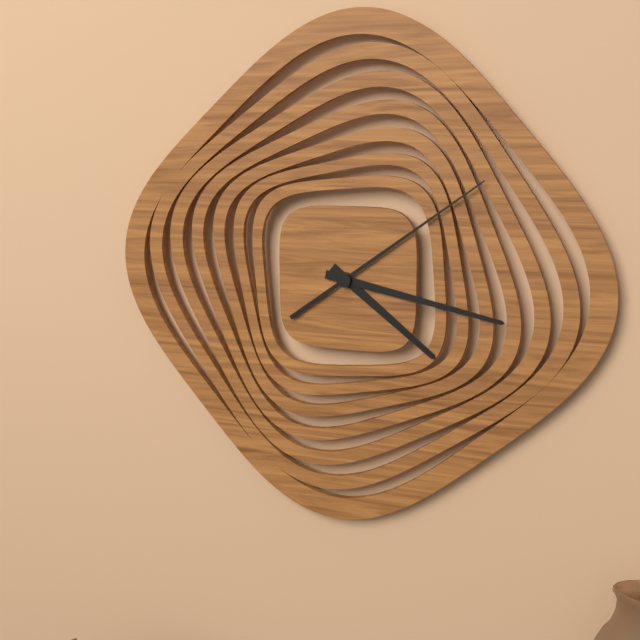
4:17:09
